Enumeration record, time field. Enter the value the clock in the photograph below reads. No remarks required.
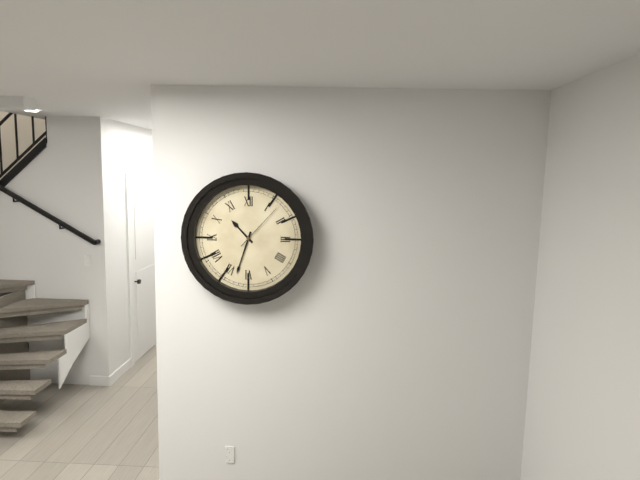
10:33:07
